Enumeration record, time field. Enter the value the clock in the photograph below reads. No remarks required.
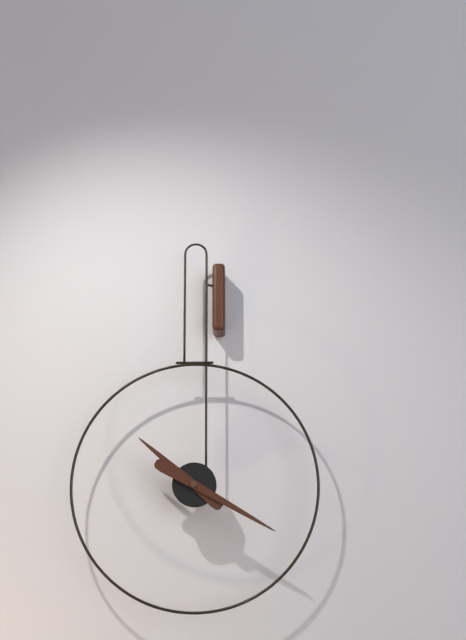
10:20
